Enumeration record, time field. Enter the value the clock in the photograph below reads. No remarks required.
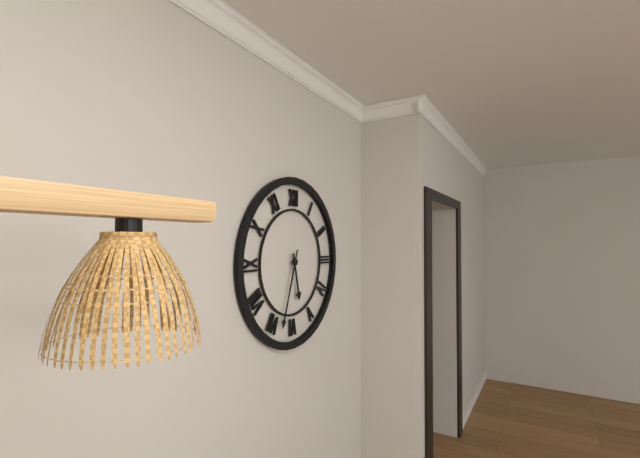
5:33
